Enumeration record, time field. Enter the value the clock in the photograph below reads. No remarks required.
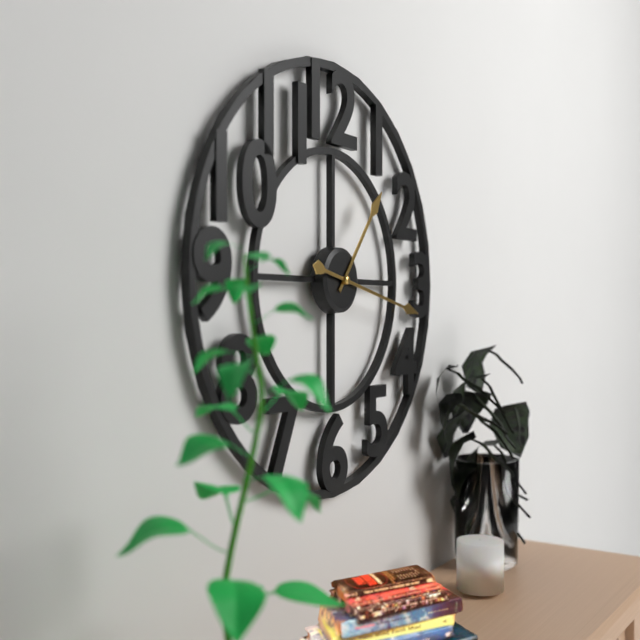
1:17
